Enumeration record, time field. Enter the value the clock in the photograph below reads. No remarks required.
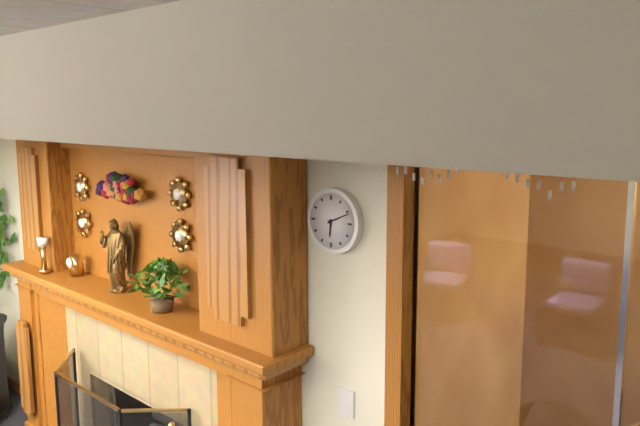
6:11
